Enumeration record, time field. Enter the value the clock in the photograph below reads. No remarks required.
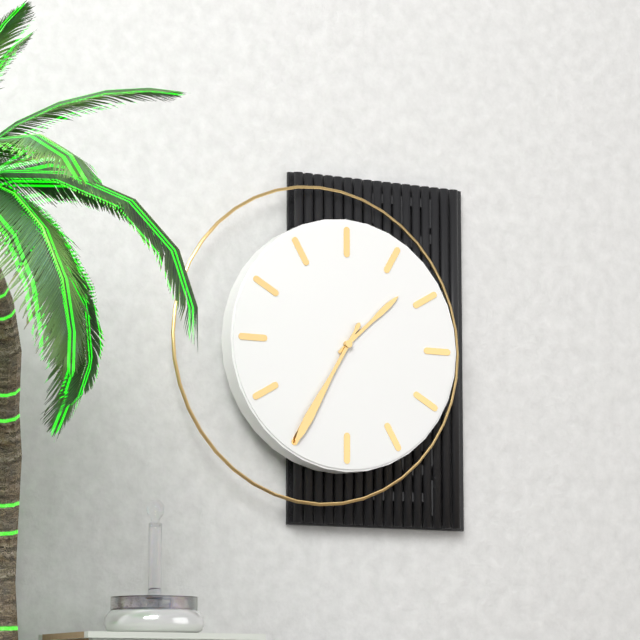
1:35
